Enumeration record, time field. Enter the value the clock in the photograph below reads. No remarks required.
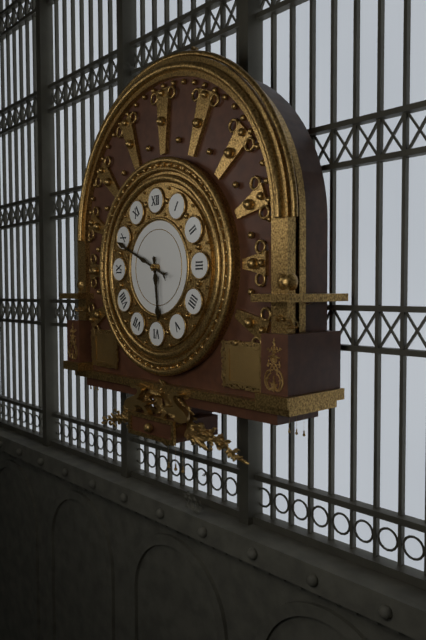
5:49
